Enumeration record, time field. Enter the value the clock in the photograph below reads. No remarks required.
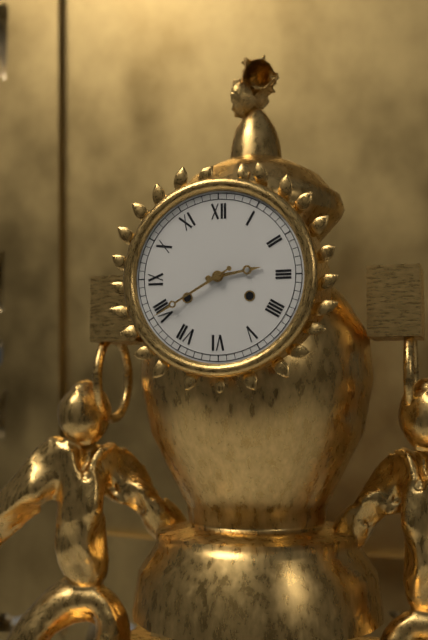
2:40
